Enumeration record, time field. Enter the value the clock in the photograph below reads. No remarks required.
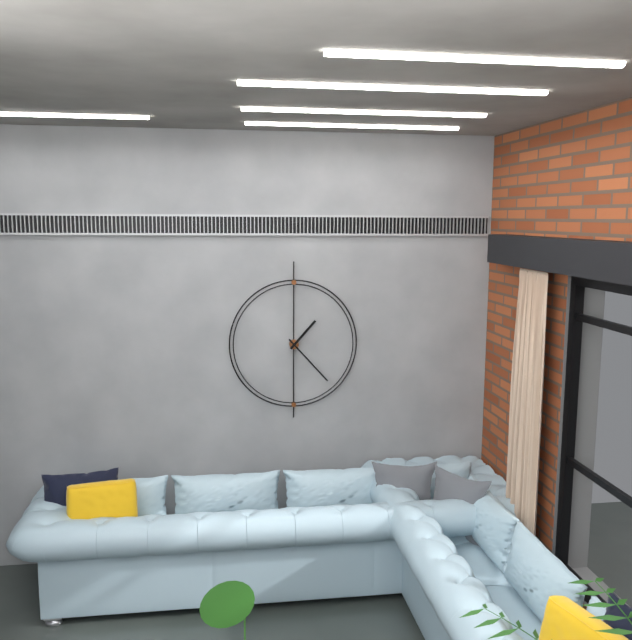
1:23
